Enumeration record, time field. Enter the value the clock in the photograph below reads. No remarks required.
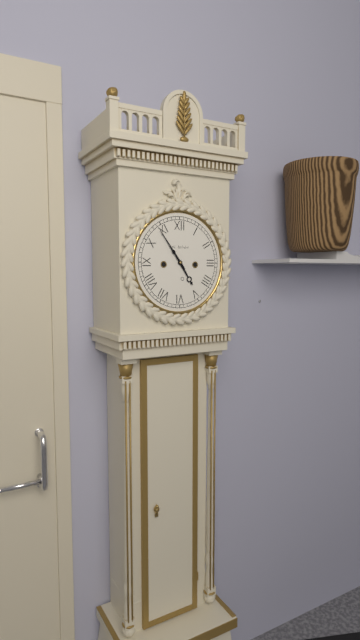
4:54
